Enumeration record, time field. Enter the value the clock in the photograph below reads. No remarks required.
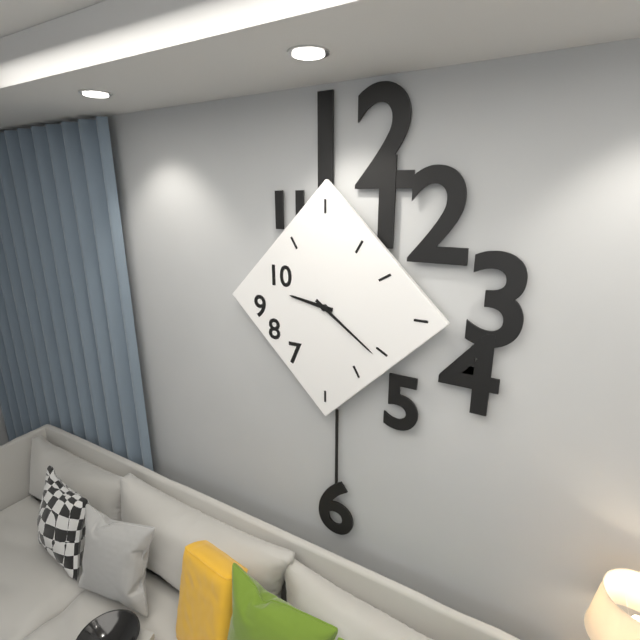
9:21
